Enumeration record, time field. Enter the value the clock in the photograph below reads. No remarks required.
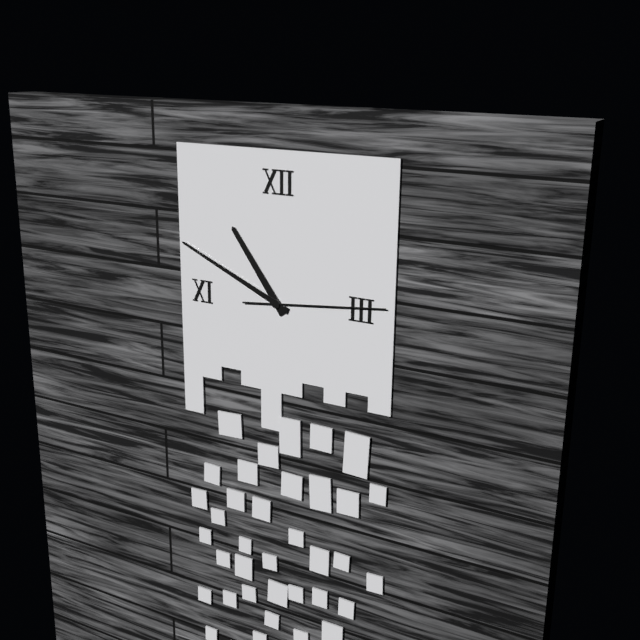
10:49:14
